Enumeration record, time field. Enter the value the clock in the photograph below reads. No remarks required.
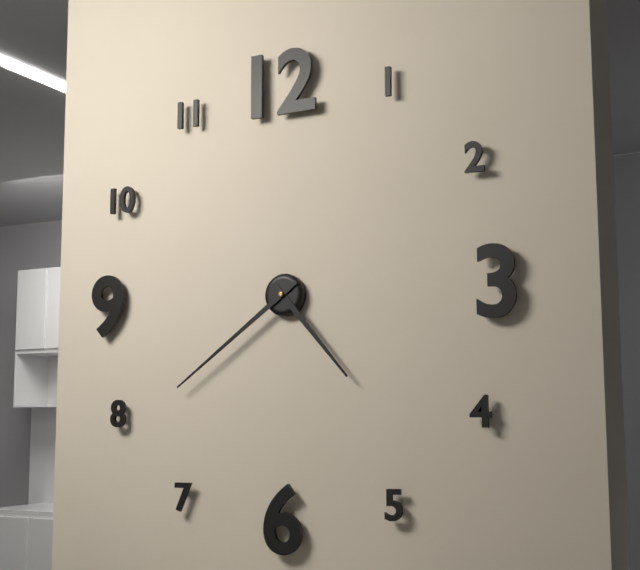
4:39
